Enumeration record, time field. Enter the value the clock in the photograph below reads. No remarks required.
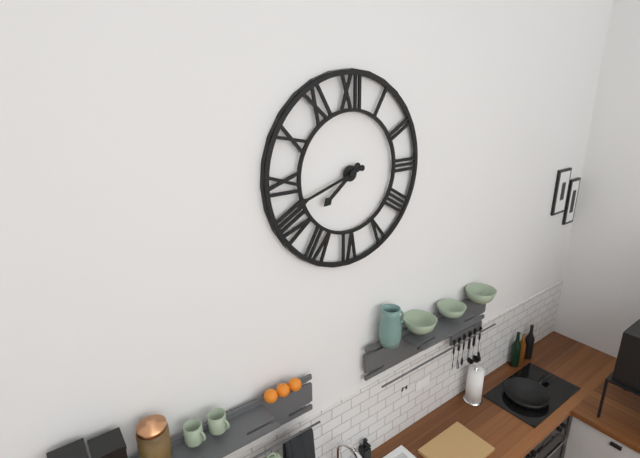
7:42
